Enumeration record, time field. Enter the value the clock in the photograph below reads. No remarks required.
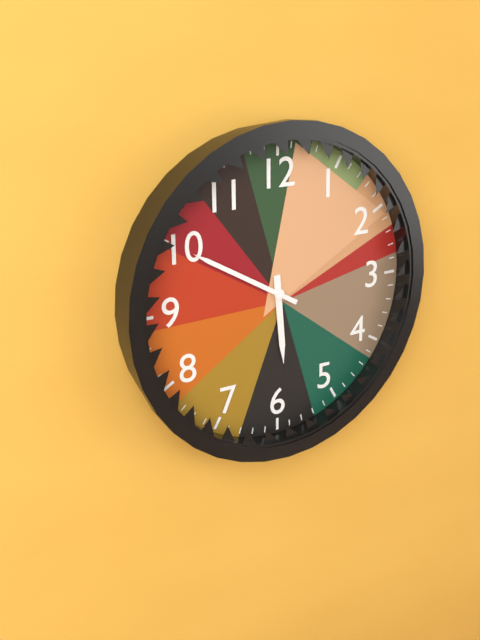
5:50
